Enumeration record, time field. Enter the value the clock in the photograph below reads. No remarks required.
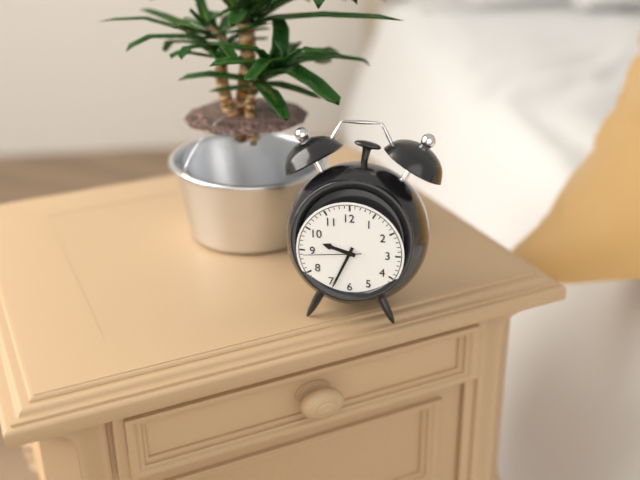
9:34:44
